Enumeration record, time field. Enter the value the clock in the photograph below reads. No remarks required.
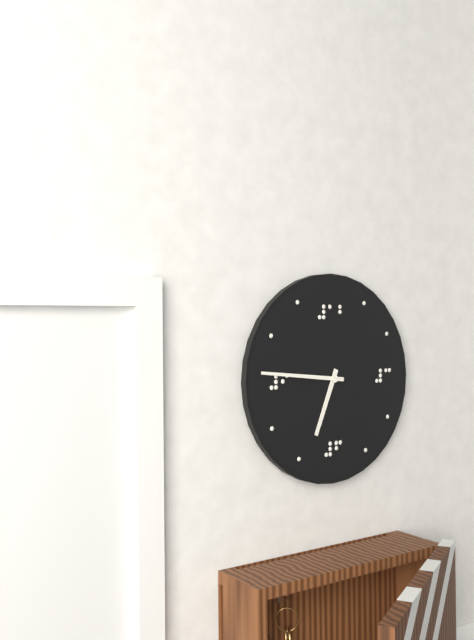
6:46
